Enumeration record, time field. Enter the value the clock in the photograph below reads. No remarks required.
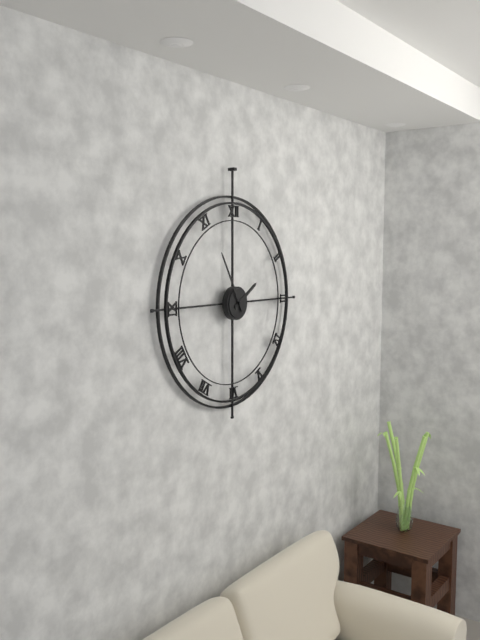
1:55
